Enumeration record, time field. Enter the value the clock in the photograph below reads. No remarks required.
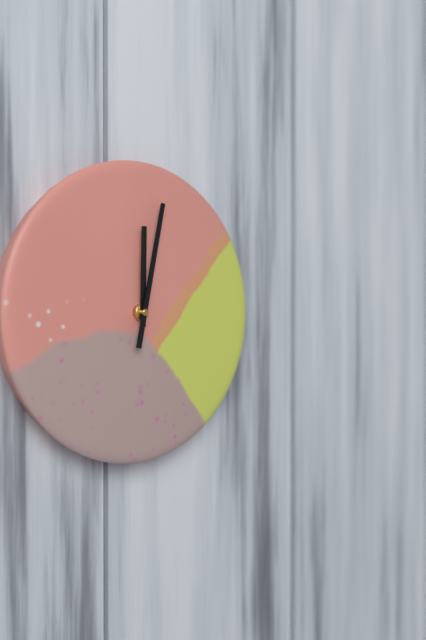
12:02
